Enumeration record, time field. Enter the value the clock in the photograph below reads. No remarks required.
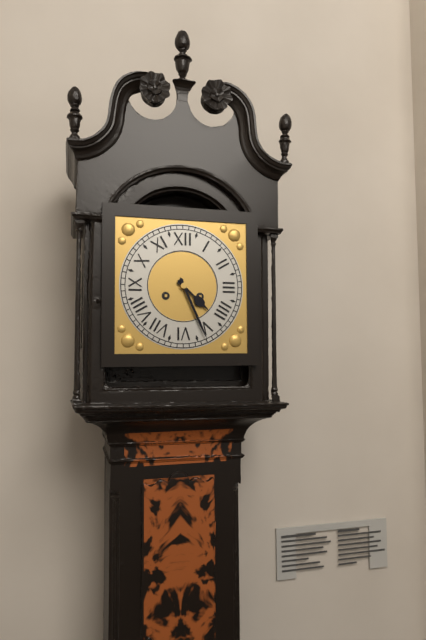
4:26
